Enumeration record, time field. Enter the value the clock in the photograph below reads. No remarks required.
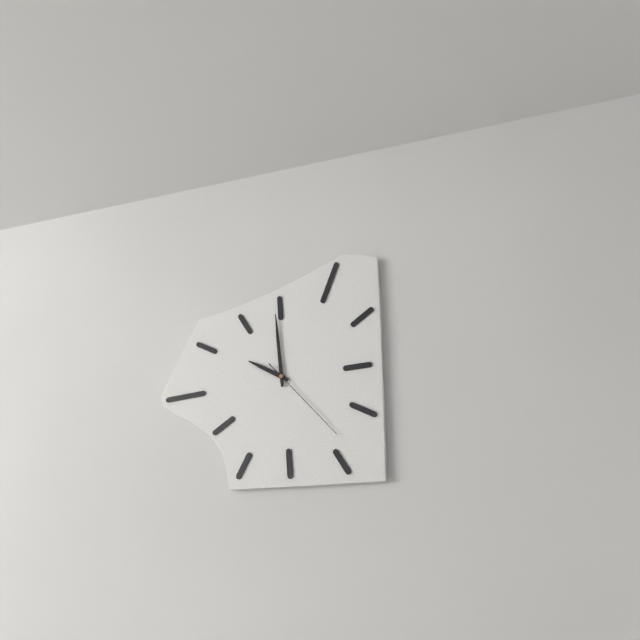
9:59:23
